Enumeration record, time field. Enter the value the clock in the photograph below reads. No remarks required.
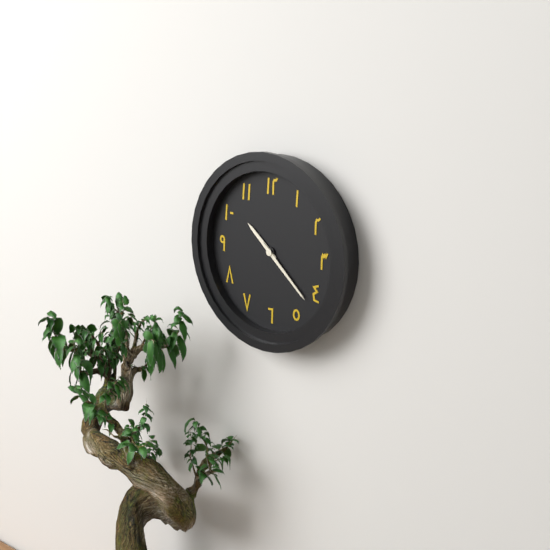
10:22
